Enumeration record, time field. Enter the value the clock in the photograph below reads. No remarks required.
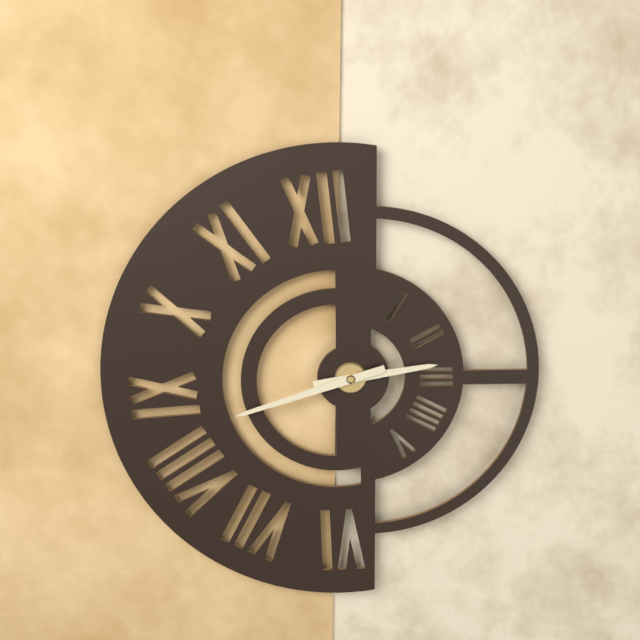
2:42
